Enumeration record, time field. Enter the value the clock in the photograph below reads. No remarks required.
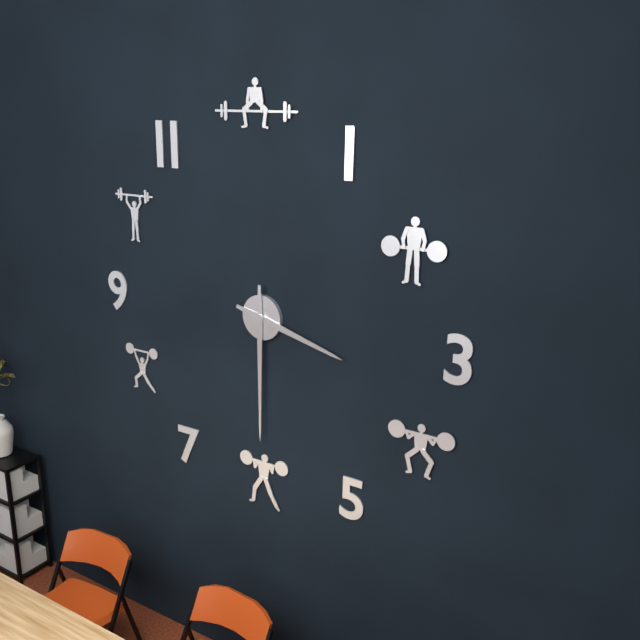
3:30
